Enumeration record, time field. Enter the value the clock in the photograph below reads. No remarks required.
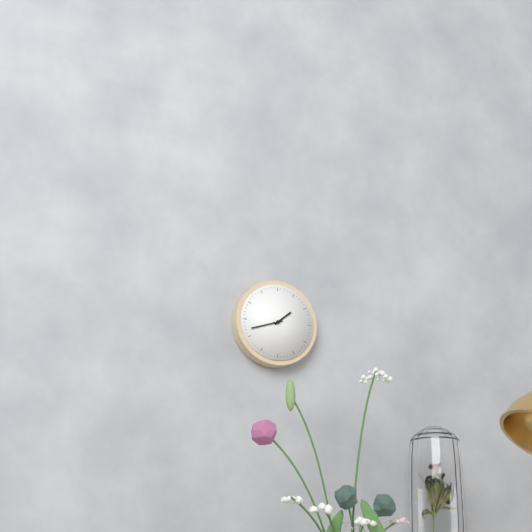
1:42
